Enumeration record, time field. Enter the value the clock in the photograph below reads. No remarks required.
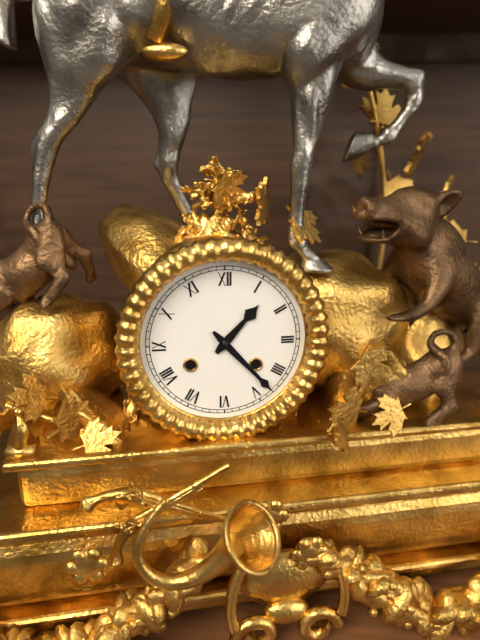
1:23
